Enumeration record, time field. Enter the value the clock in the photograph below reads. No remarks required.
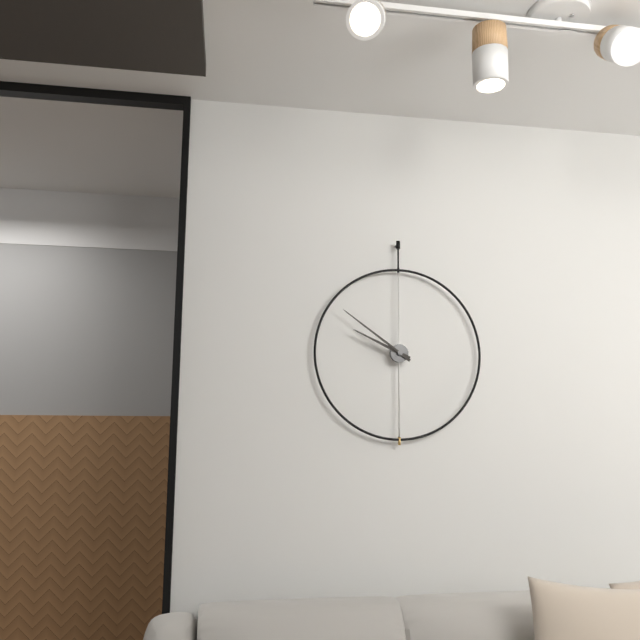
9:51
